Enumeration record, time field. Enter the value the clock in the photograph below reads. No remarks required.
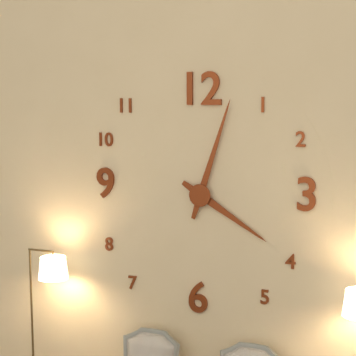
4:03
